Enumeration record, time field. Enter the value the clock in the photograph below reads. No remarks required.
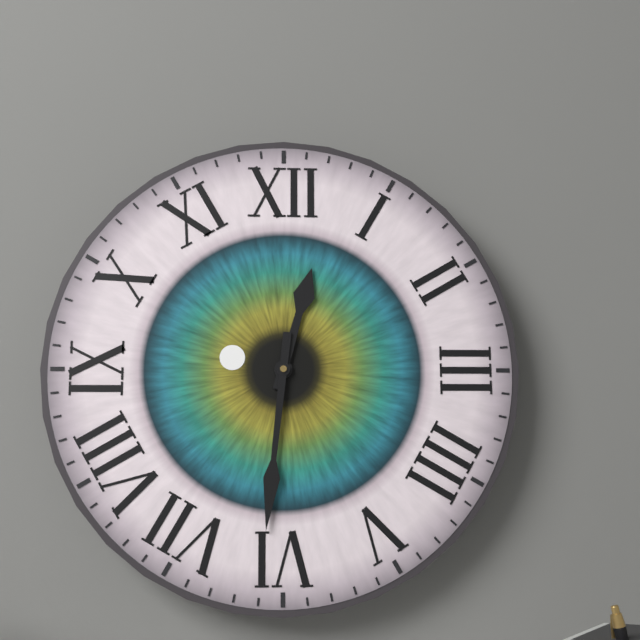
12:31
